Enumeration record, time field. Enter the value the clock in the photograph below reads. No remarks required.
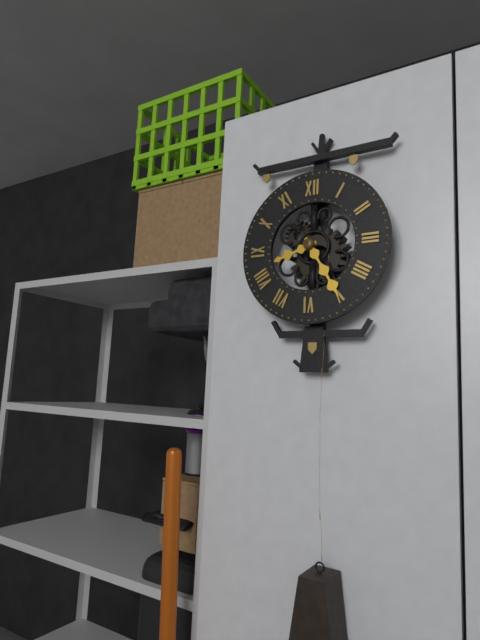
8:25
